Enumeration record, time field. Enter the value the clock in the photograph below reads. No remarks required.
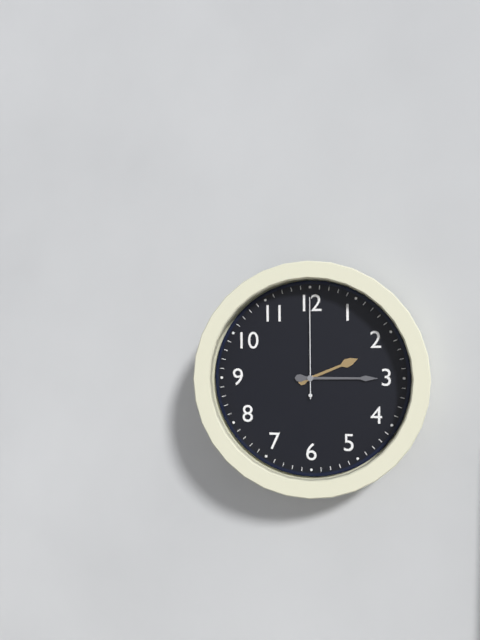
2:15:00
